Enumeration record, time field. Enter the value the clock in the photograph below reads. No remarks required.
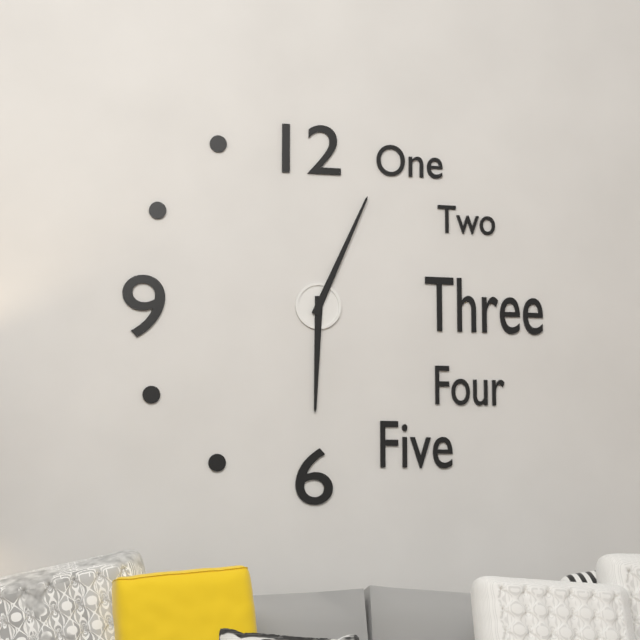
6:04
